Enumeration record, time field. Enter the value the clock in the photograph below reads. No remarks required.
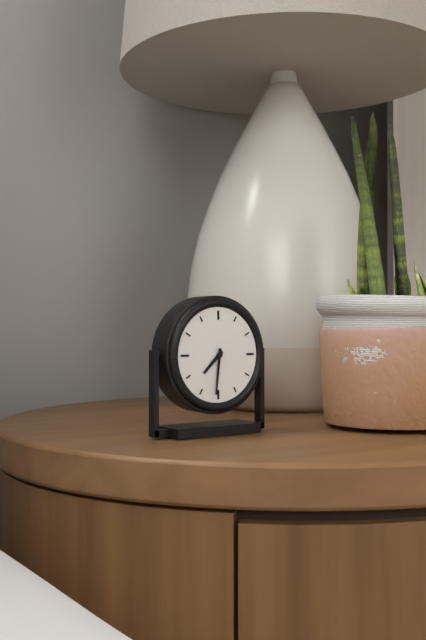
7:31
